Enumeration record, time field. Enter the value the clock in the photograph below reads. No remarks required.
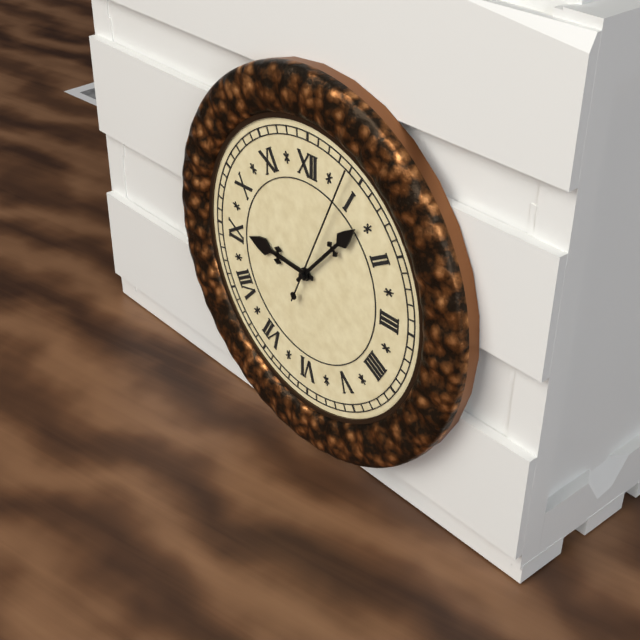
9:07:04
